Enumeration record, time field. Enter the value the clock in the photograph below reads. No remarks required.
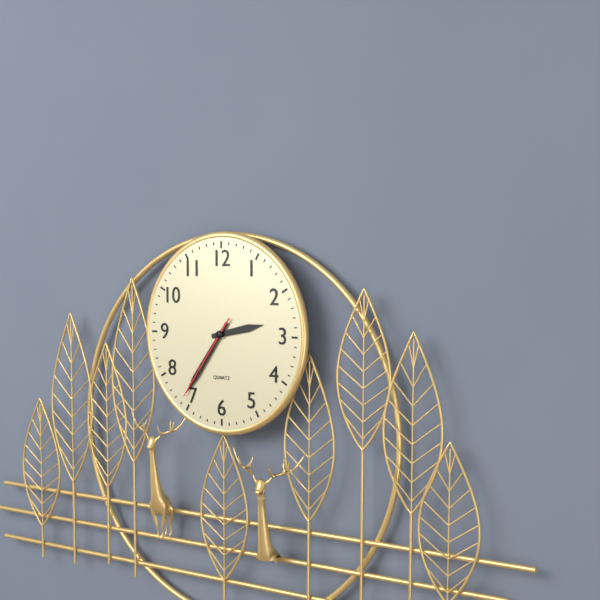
2:36:36
